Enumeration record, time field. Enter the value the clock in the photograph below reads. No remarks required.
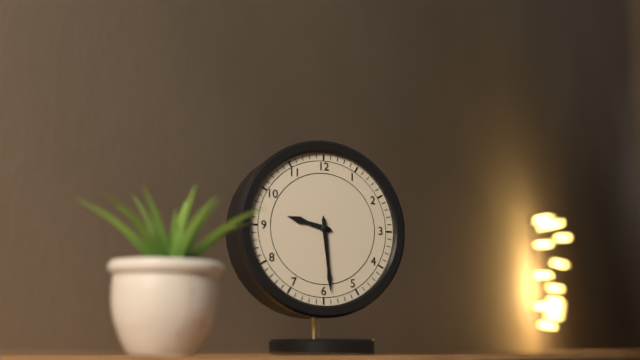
9:29
